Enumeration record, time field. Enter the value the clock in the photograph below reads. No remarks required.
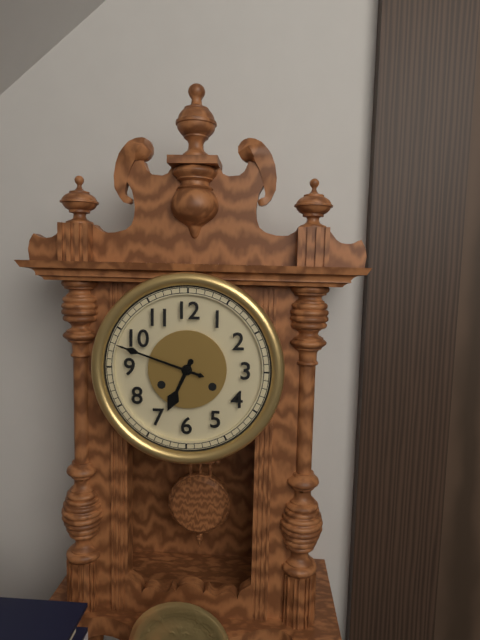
6:48
